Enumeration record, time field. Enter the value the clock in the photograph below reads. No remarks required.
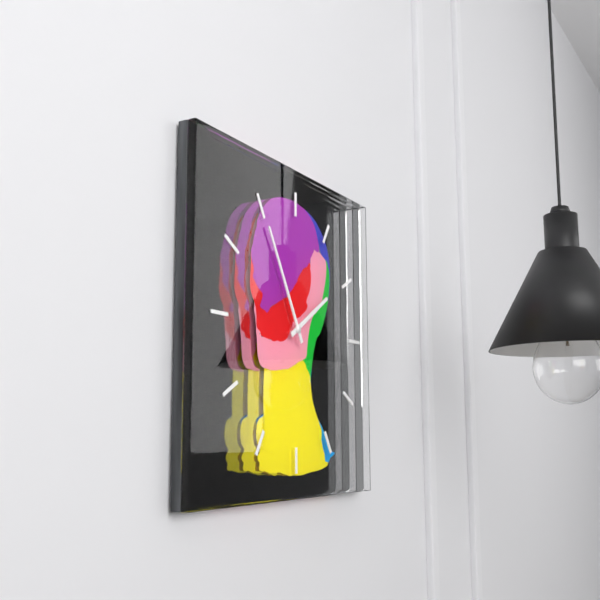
1:55
